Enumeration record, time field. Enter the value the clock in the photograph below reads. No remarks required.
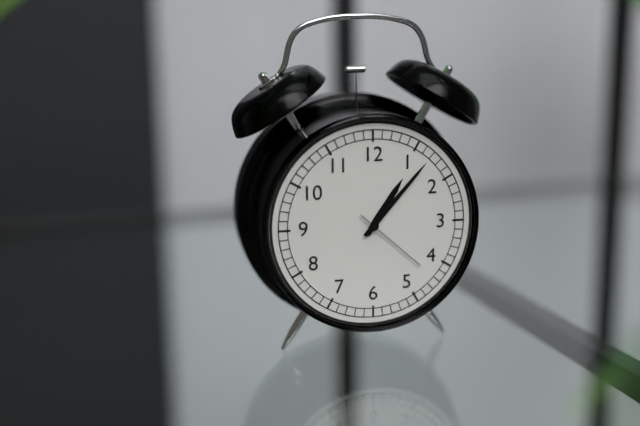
1:07:22
